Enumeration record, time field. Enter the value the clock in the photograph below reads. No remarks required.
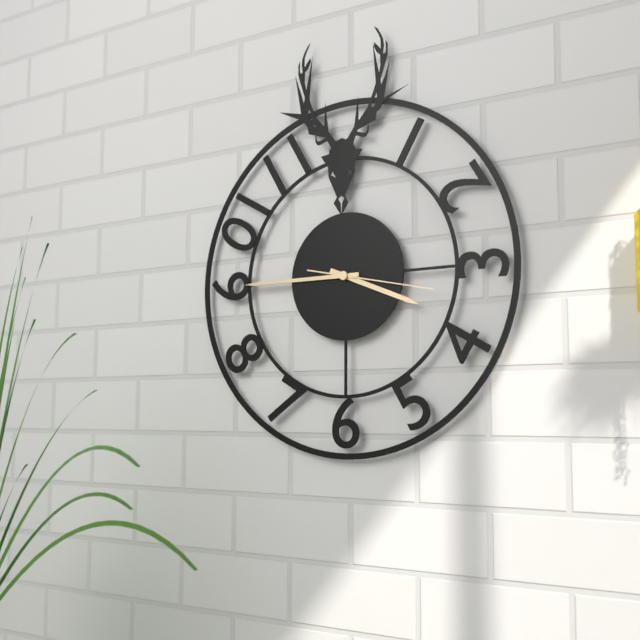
3:45:17
